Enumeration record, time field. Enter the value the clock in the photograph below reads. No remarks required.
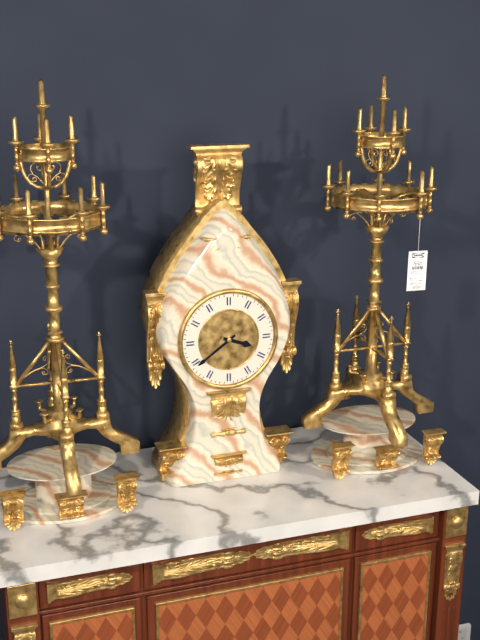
3:39
